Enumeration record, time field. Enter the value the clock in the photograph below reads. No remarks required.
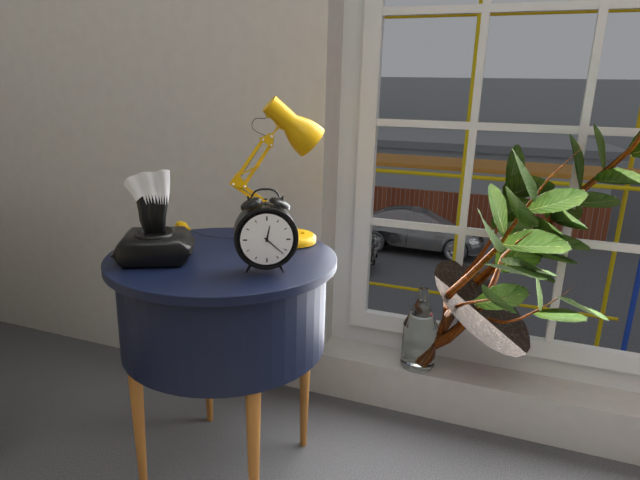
12:22
